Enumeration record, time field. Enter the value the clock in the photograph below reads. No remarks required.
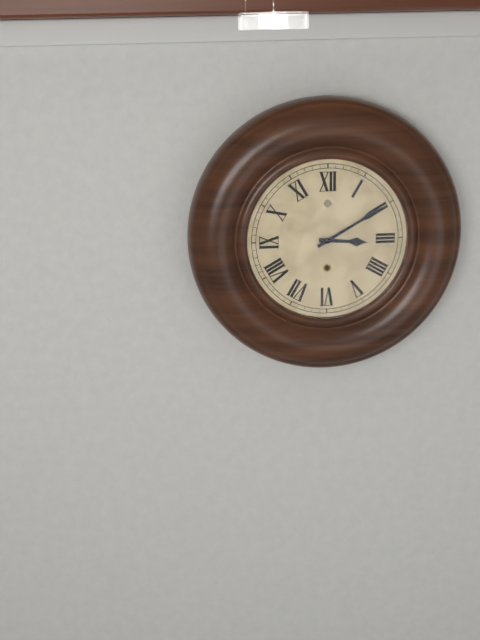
3:10
